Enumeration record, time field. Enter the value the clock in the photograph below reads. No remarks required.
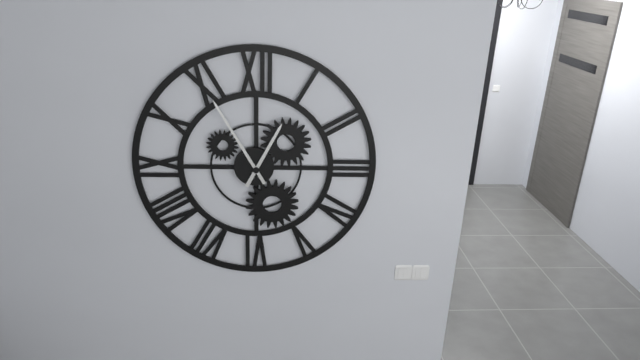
12:55
